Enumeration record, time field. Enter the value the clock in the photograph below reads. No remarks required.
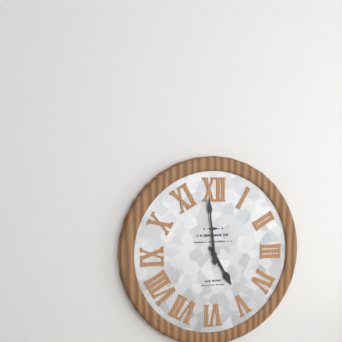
4:59
